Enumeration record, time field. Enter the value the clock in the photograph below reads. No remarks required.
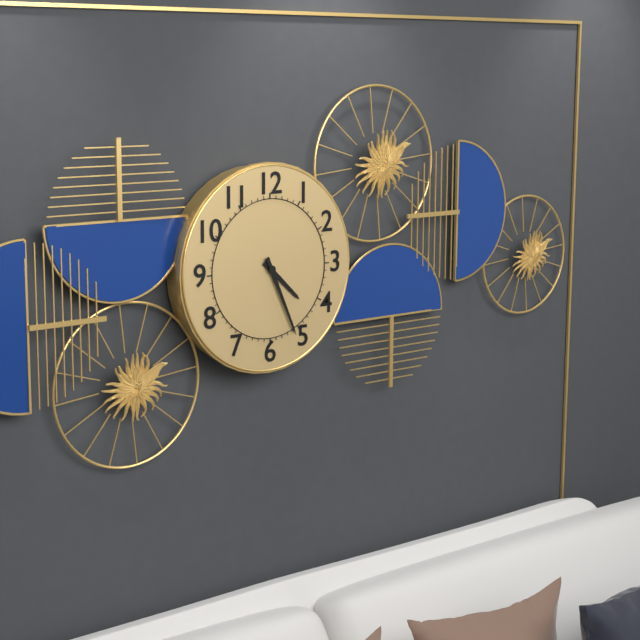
4:26
